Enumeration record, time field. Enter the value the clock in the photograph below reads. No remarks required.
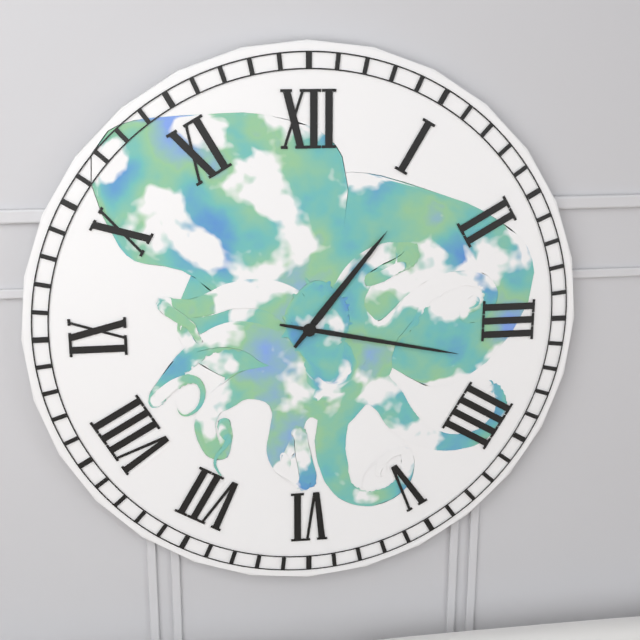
1:17
